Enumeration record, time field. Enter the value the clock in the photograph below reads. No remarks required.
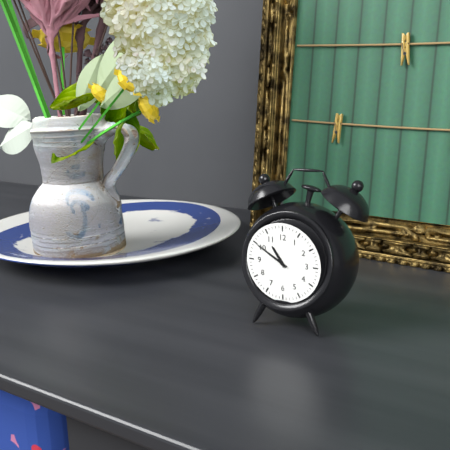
10:50
